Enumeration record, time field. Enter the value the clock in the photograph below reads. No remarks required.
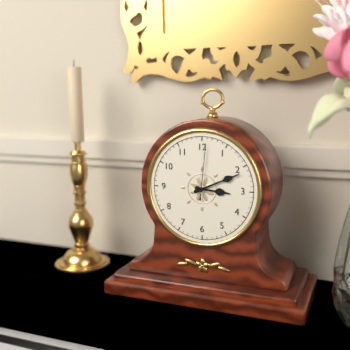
3:11:01
